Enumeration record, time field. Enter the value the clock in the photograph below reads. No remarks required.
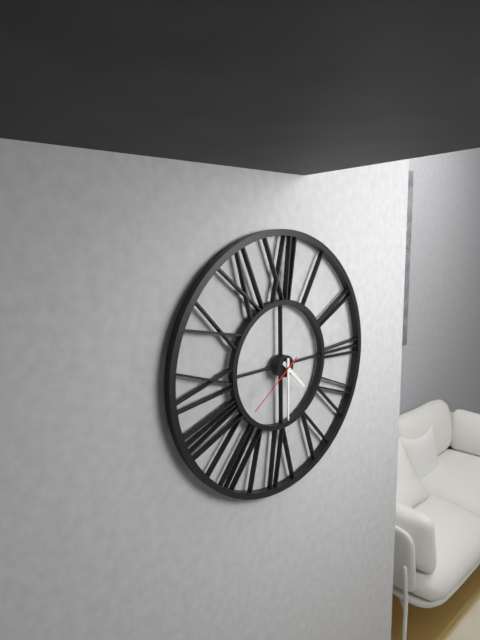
4:30:39
